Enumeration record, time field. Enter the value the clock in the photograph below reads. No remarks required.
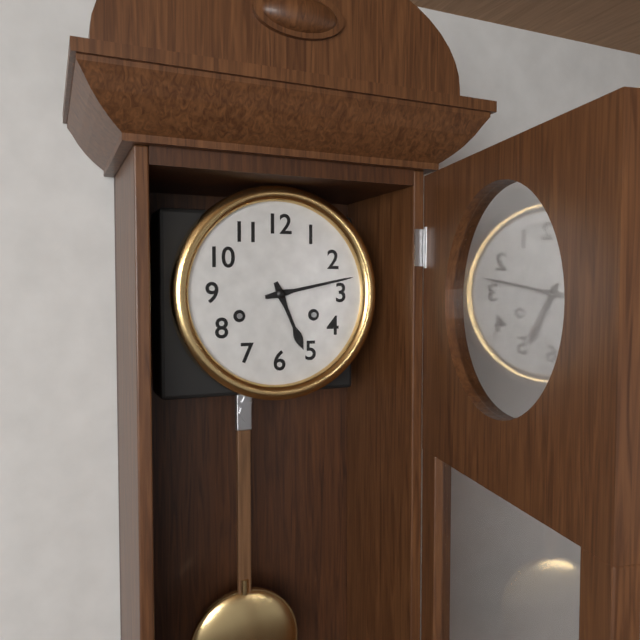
5:13
